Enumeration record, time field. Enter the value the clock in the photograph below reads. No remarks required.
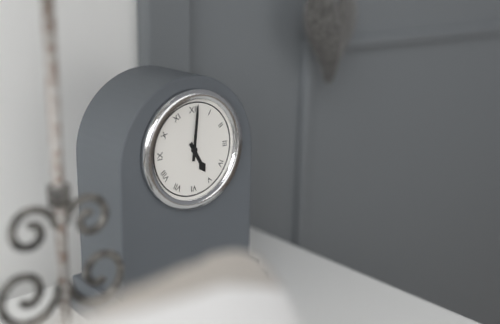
5:01
